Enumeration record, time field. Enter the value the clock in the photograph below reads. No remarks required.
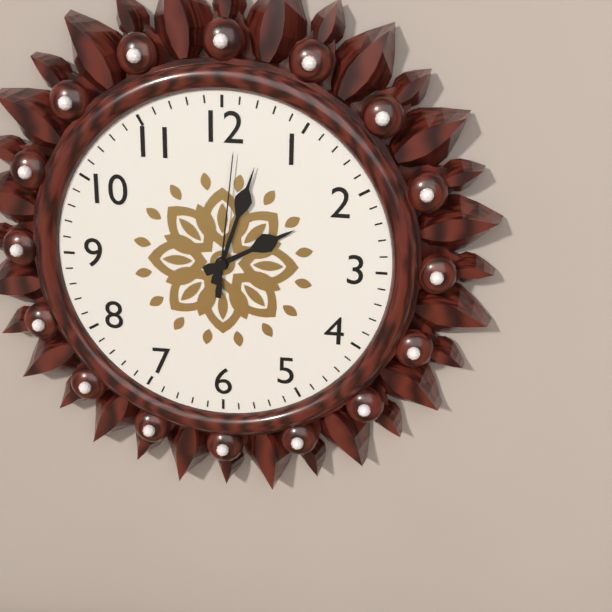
2:03:01
